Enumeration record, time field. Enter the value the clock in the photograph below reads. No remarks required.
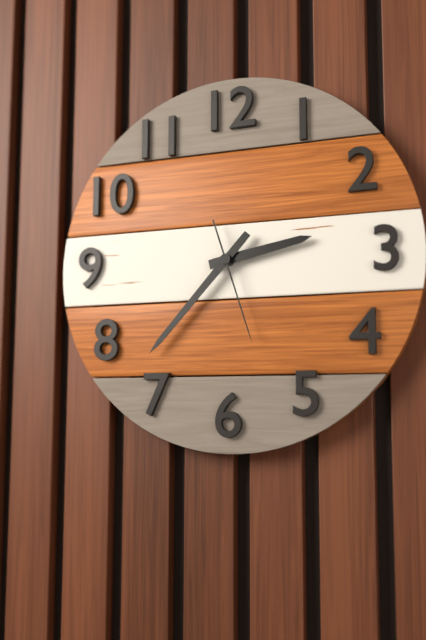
2:37:27
